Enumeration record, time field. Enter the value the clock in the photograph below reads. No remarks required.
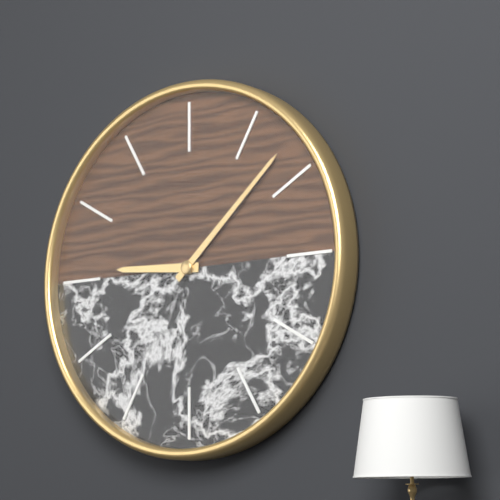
9:08
